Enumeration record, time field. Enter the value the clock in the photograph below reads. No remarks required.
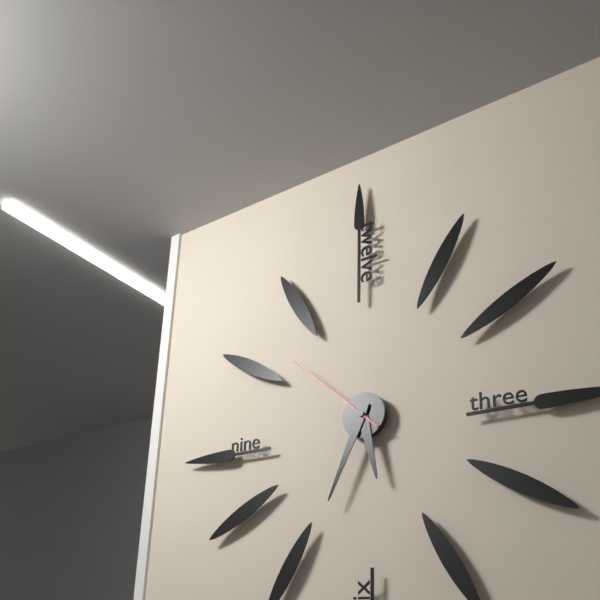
5:34:52
